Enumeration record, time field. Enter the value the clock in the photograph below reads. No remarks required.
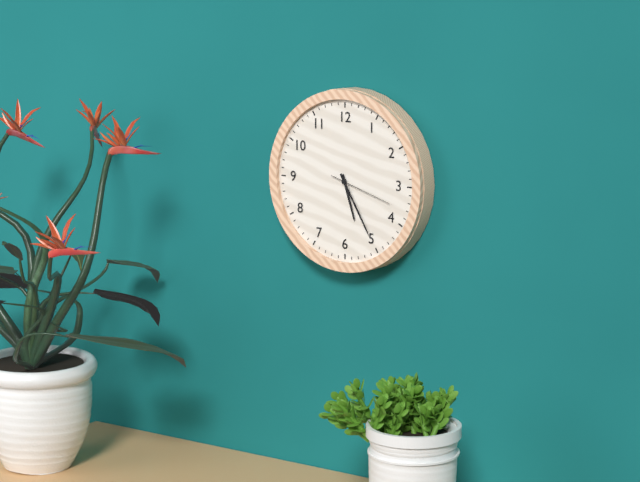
5:25:18
